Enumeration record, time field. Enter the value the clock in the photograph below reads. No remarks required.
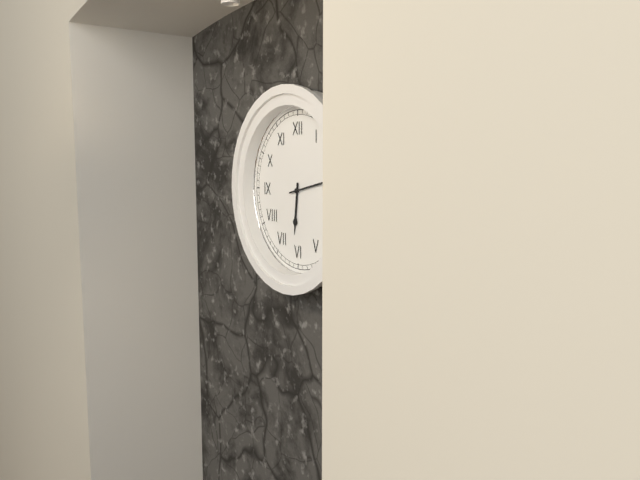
6:13
